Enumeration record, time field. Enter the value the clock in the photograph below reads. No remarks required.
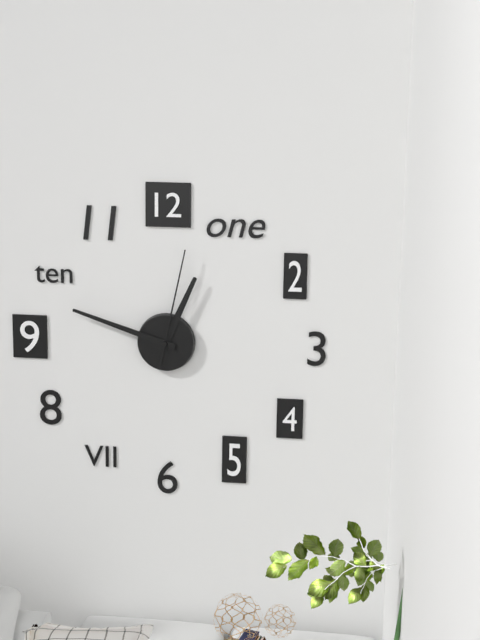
12:48:02
